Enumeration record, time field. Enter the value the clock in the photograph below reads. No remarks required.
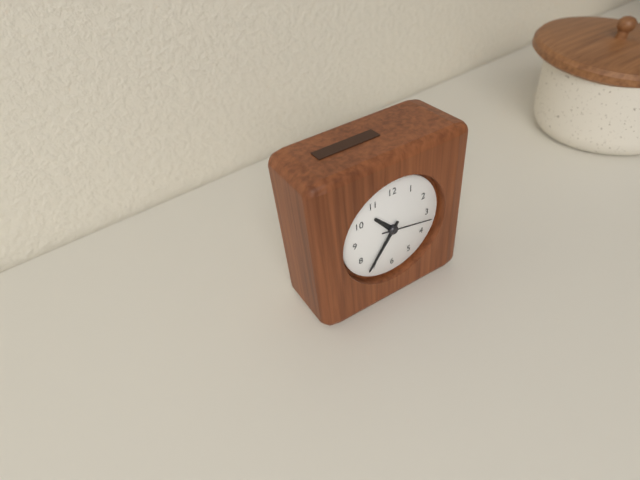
10:36:17
